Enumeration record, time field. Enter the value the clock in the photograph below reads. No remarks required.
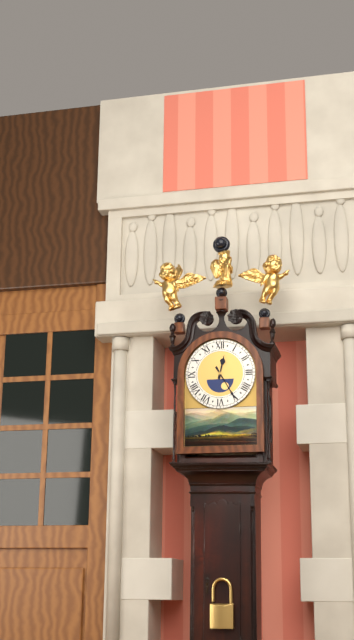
12:25
